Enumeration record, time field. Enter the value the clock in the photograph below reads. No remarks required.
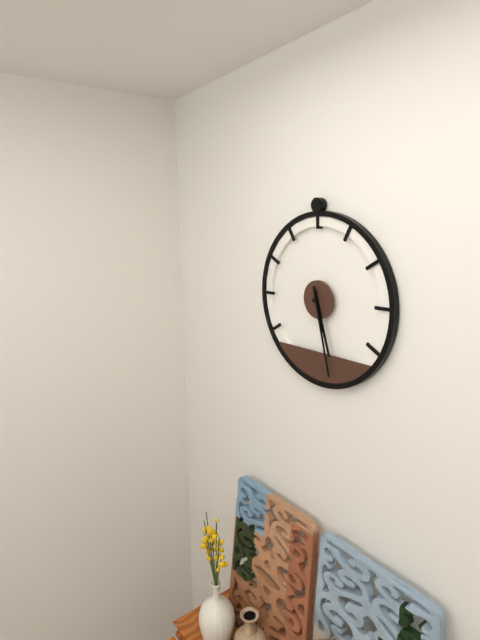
5:28
